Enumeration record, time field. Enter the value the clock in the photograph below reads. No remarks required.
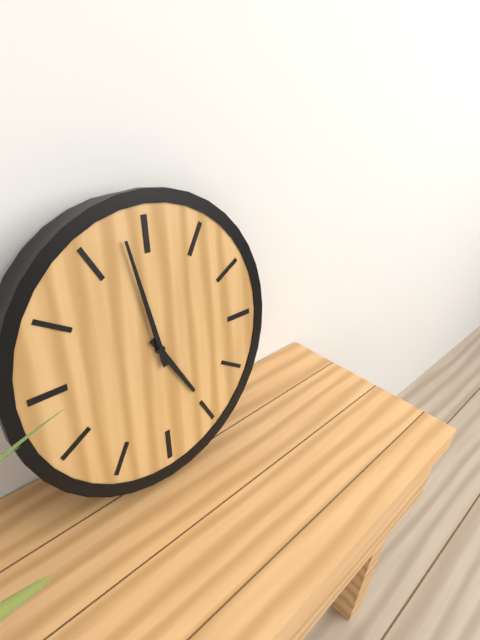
4:58
